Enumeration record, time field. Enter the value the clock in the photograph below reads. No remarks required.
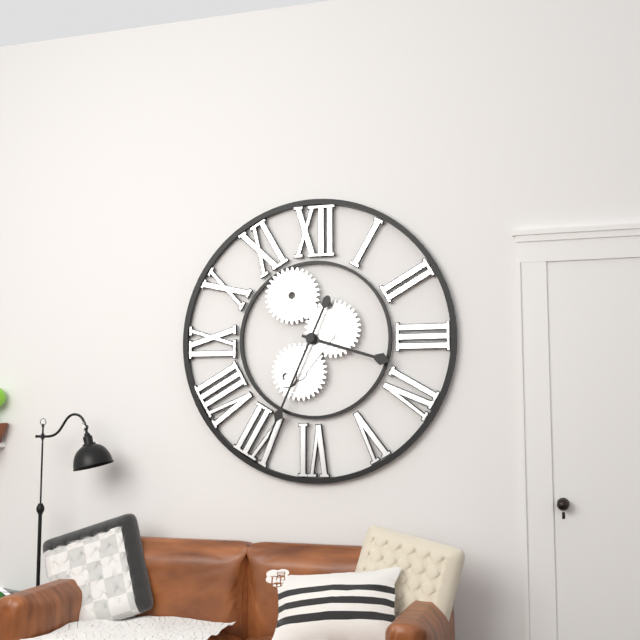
3:34
